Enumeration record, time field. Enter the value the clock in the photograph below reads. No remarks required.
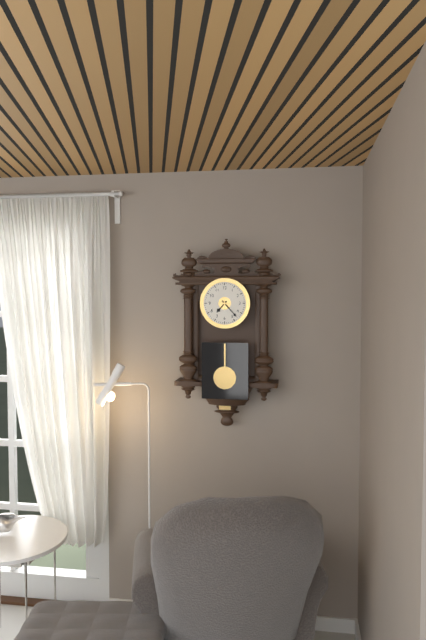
7:23
